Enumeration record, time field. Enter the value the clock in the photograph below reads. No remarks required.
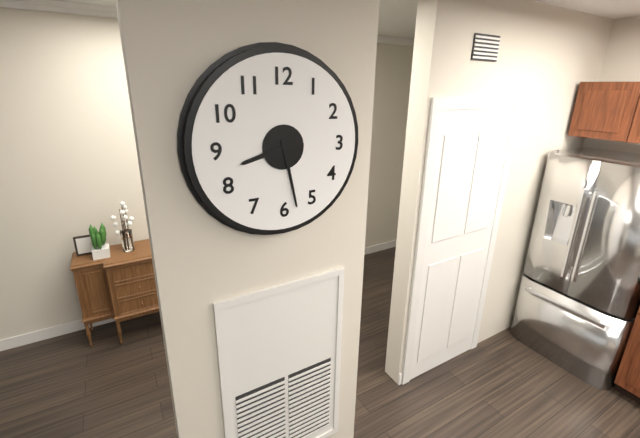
8:28
